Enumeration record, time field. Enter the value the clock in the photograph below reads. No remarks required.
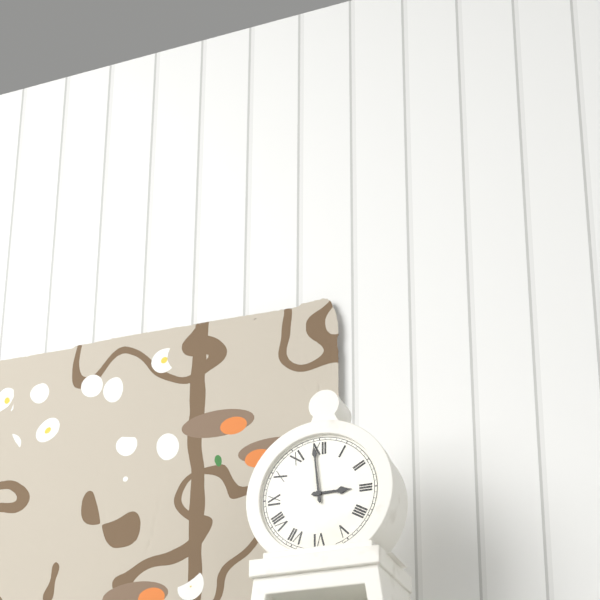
2:59
